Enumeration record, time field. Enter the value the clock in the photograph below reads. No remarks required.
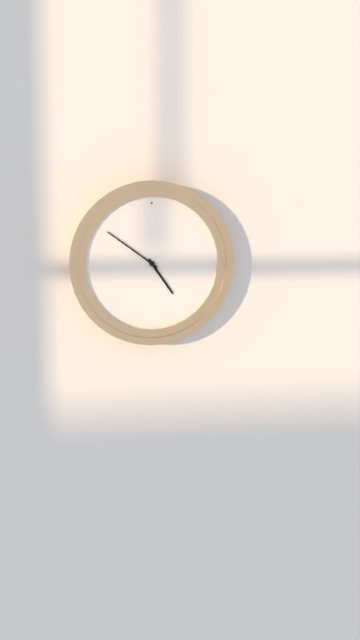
4:51
